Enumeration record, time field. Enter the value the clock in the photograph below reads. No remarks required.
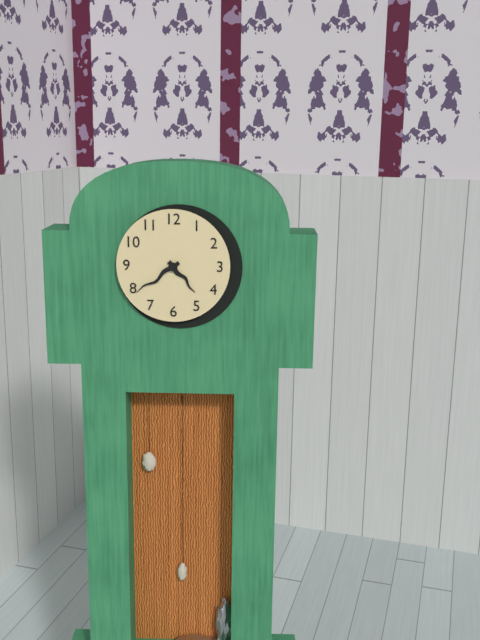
4:39
